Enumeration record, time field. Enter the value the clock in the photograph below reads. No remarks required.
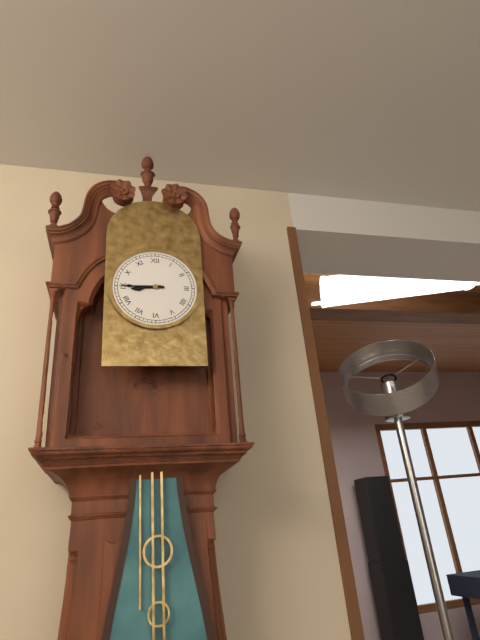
8:45
